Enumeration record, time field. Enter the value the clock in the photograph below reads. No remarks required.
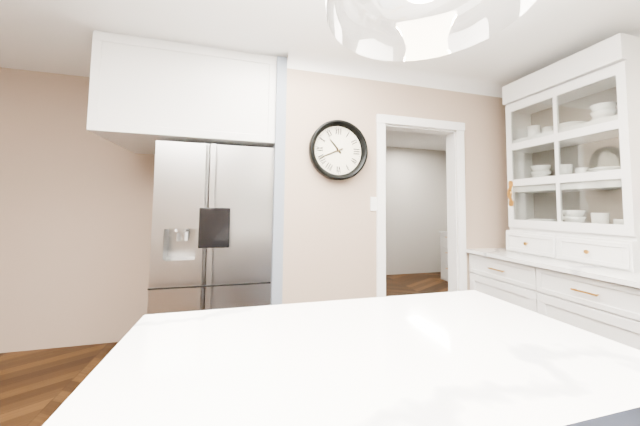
10:41
